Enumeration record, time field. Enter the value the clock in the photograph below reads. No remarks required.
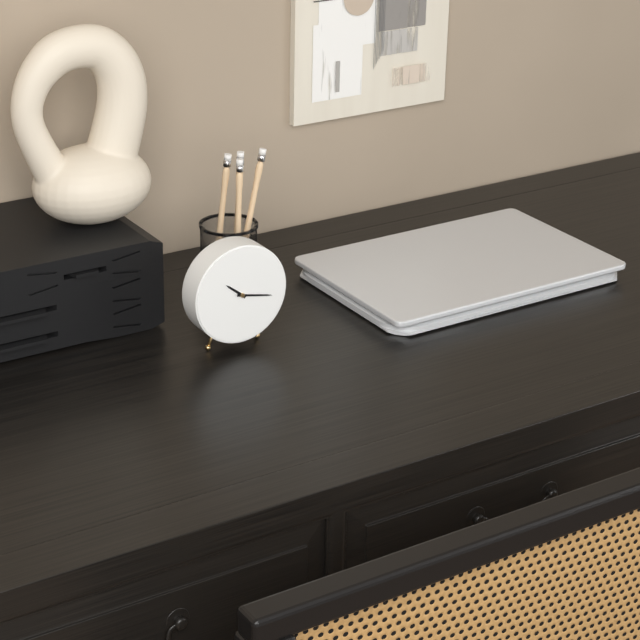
10:17
